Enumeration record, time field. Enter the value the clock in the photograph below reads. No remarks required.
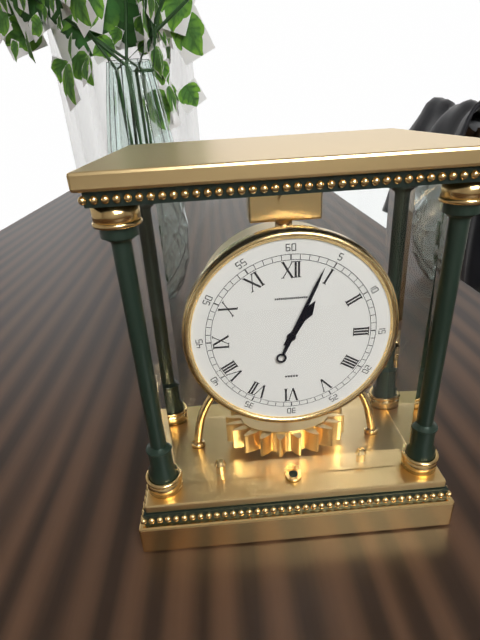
1:04
